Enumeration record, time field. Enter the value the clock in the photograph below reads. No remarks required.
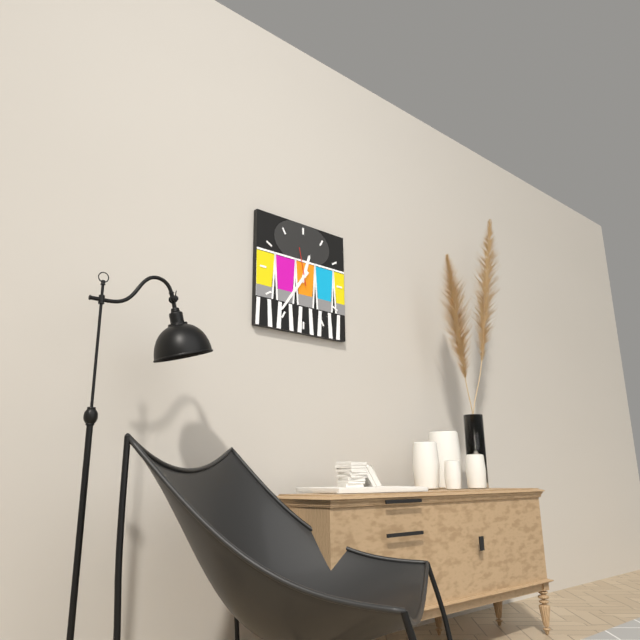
12:36
